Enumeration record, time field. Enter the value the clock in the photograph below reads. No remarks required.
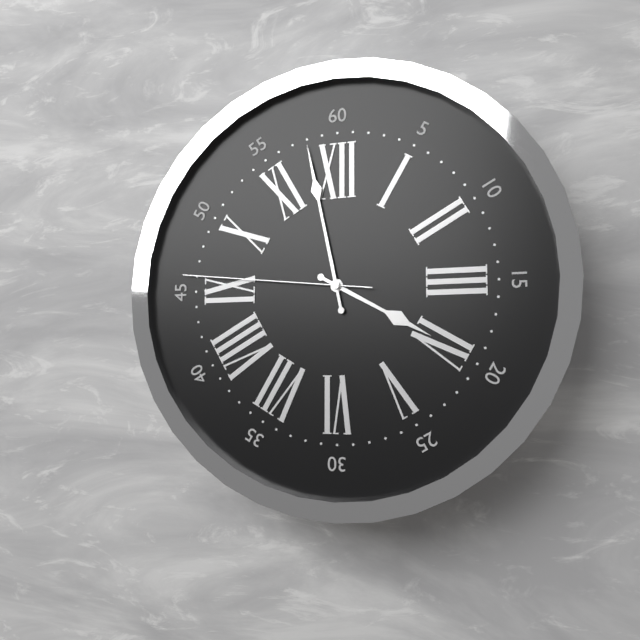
3:58:46
